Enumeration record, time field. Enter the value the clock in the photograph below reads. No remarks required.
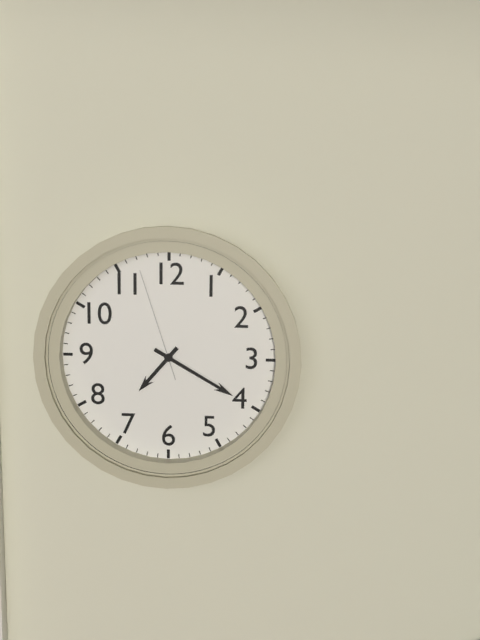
7:20:57
